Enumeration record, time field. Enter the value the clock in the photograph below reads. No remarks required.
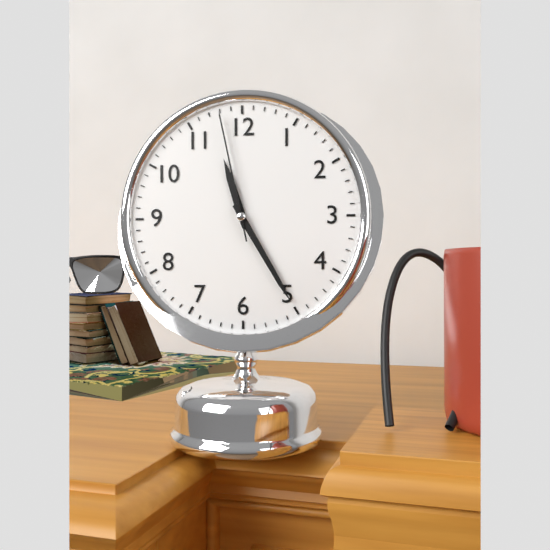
11:25:58
